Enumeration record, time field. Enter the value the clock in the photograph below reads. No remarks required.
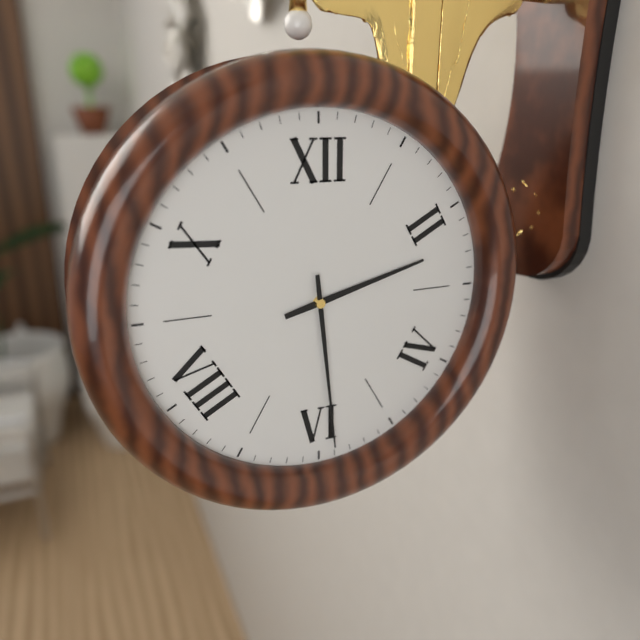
2:29
